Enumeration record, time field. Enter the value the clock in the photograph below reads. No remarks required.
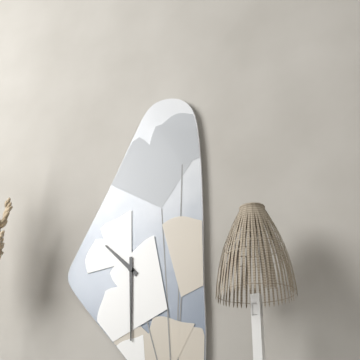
10:30
